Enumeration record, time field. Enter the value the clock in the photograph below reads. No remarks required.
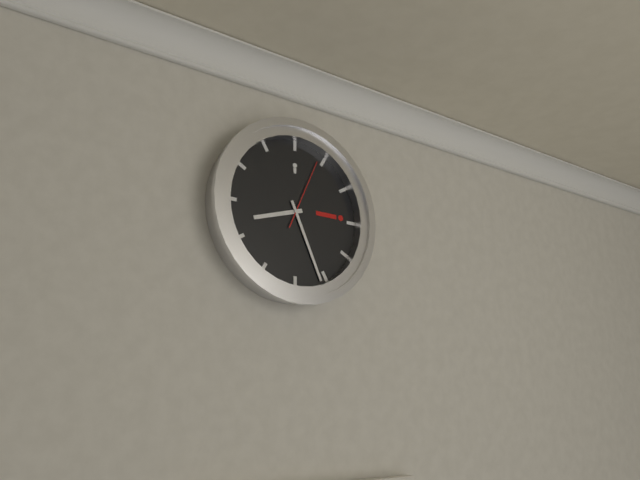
8:26:04
